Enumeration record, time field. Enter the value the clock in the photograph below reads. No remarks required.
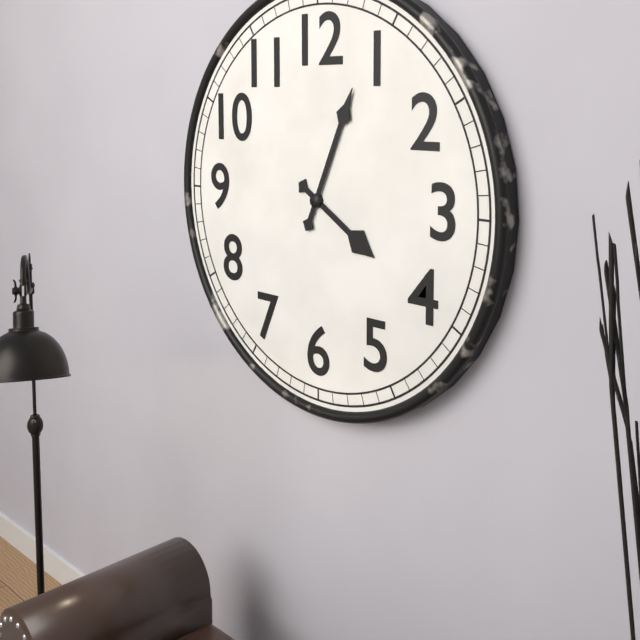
4:04
